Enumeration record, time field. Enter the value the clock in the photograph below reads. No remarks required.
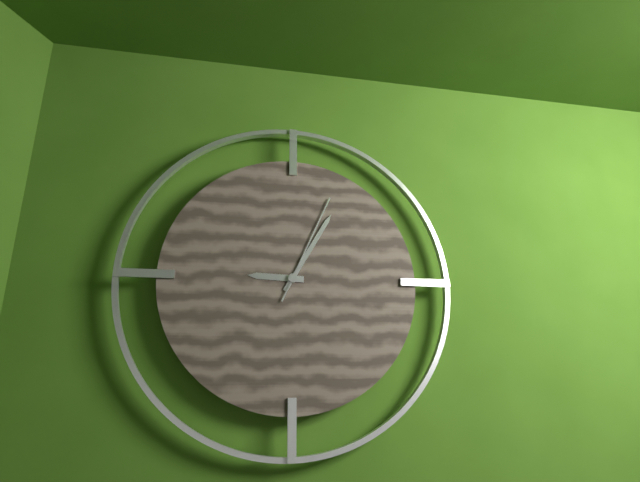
9:05:04
